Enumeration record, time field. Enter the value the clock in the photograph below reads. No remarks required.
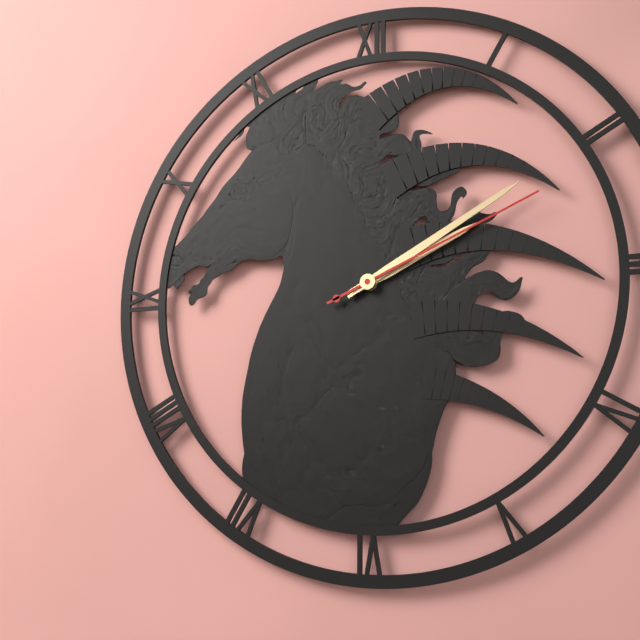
2:10:11
